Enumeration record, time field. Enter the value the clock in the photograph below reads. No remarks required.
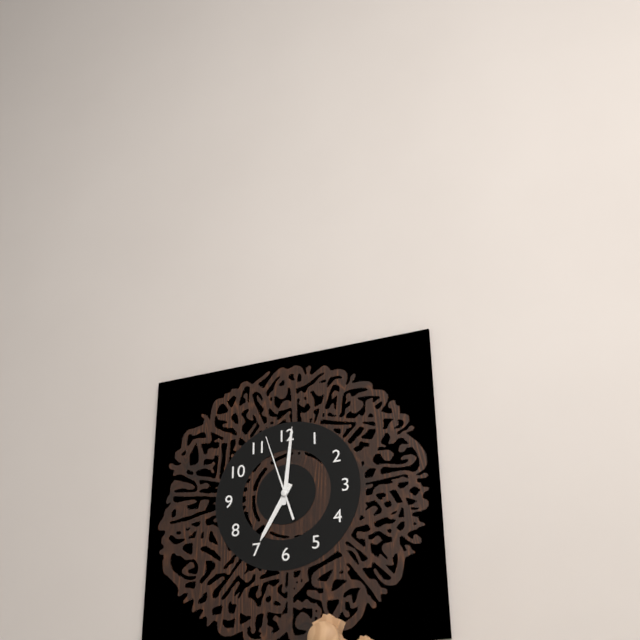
7:01:57
